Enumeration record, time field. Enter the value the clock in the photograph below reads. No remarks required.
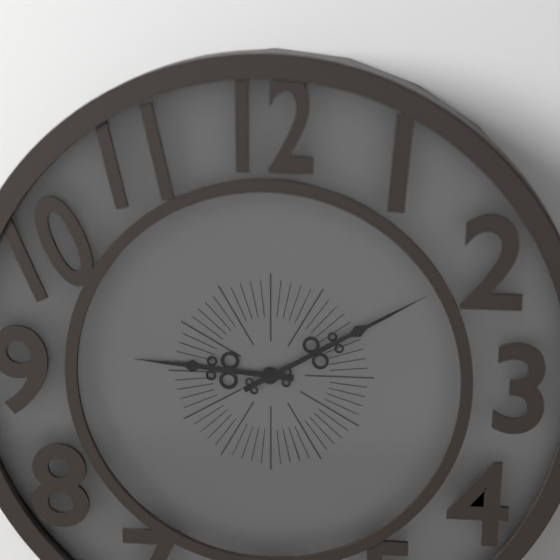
9:10
